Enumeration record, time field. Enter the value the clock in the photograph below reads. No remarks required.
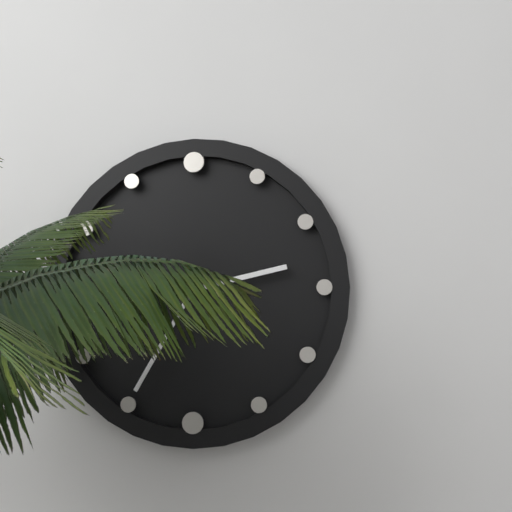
2:35
